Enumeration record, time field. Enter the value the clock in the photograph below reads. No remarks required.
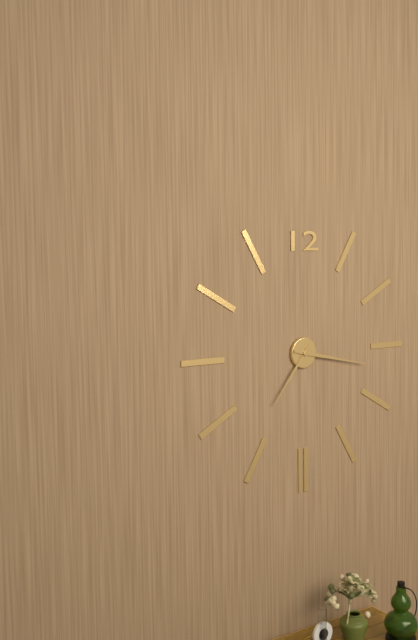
7:17
